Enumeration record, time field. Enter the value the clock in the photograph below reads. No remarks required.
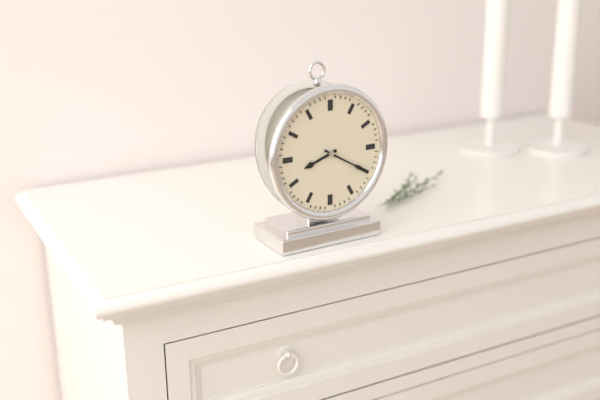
8:20
